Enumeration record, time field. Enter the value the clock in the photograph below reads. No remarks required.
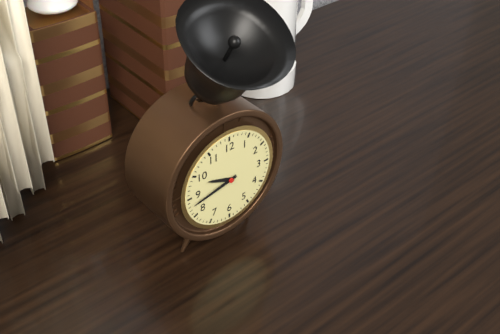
9:43
